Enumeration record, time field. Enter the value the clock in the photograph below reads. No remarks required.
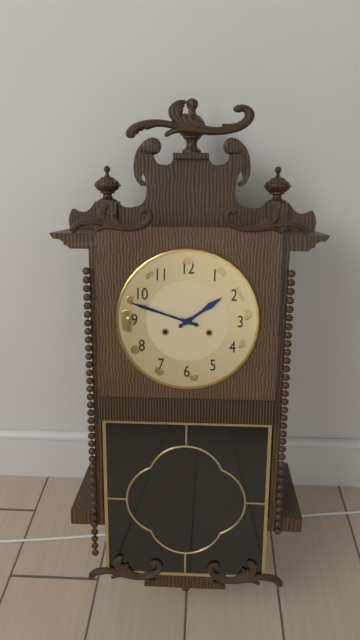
1:48
